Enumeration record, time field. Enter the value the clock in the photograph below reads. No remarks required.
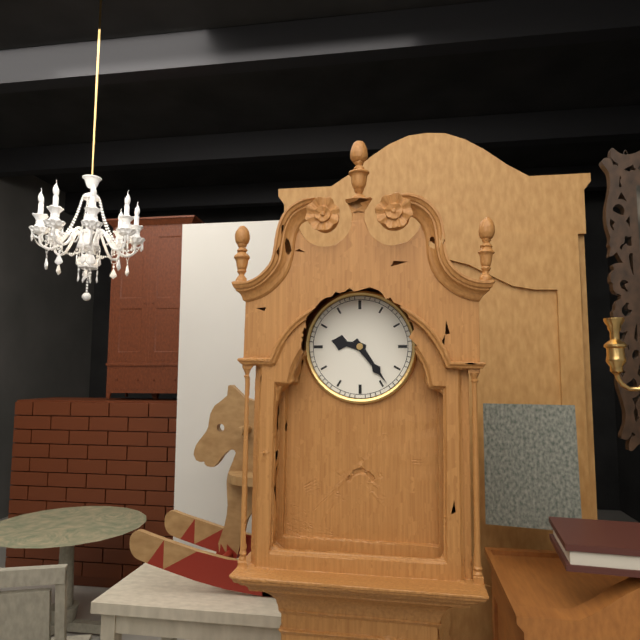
9:24
